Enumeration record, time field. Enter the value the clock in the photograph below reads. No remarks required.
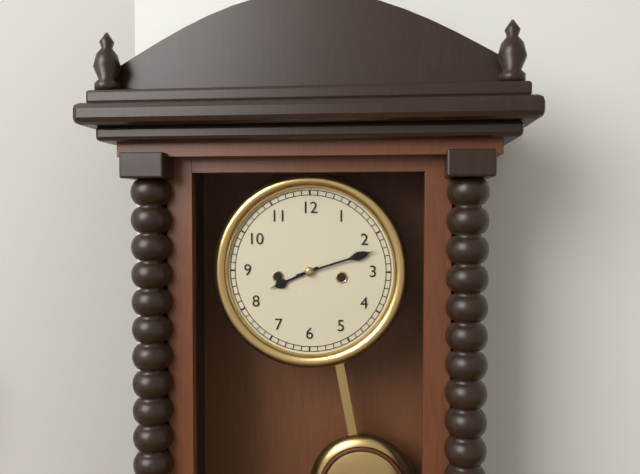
8:12
